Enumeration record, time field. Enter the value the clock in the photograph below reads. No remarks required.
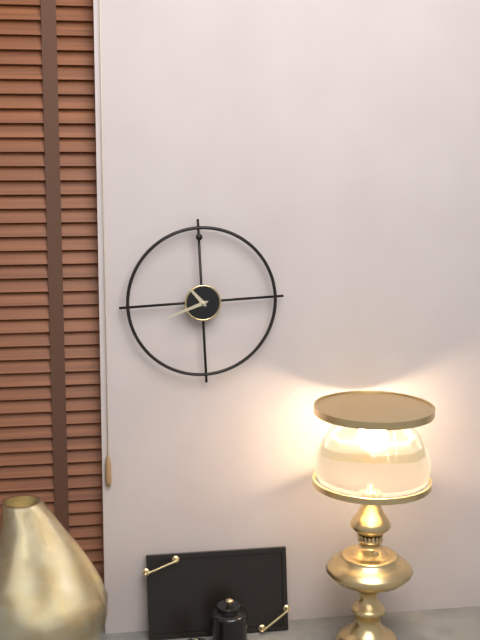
10:42
